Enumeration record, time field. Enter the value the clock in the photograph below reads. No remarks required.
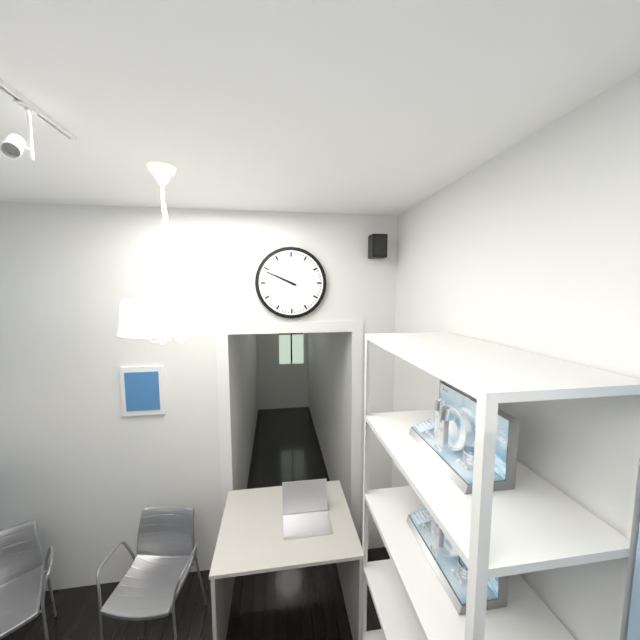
9:49
